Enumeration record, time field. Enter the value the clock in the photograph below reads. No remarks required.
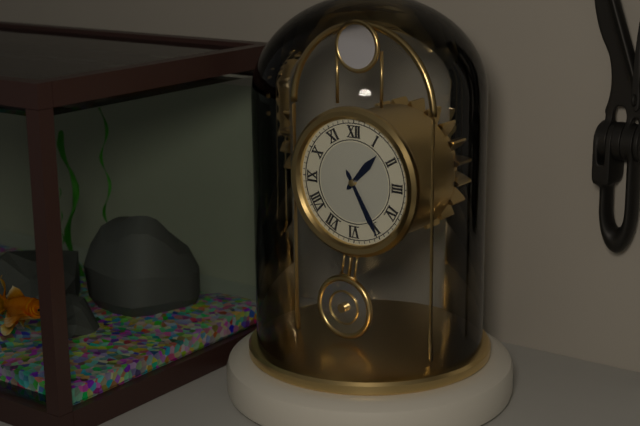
1:25
